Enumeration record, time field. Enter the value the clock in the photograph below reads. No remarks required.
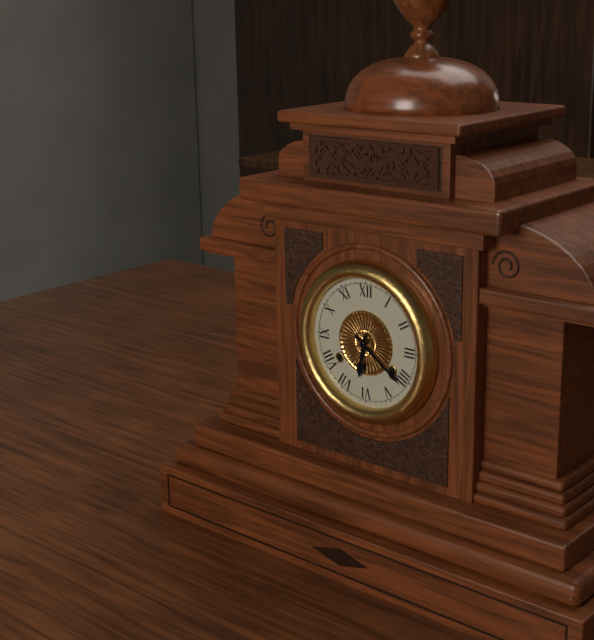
6:21
